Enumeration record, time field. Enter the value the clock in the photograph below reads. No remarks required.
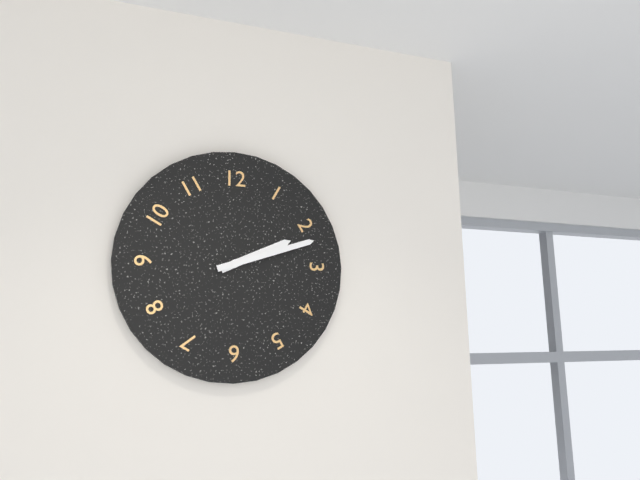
2:12
